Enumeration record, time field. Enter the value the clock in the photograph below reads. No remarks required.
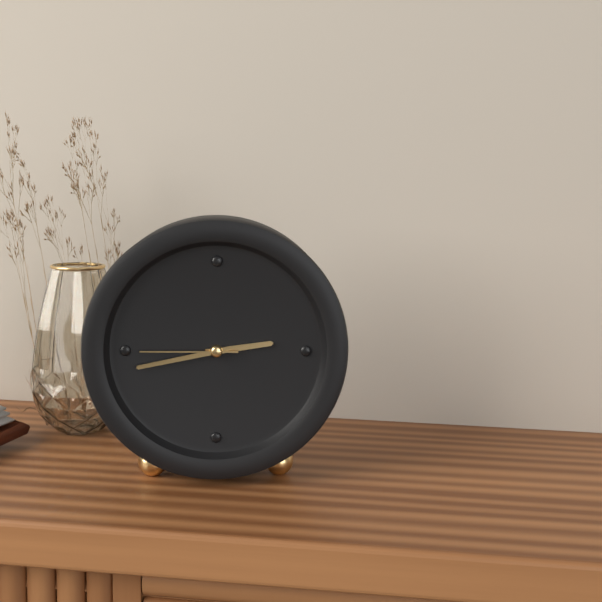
2:43:45
